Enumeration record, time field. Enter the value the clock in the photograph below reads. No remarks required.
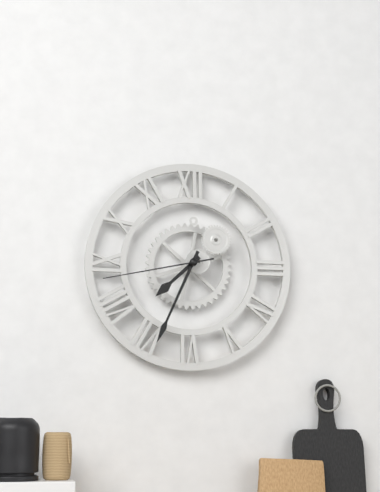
7:34:43
